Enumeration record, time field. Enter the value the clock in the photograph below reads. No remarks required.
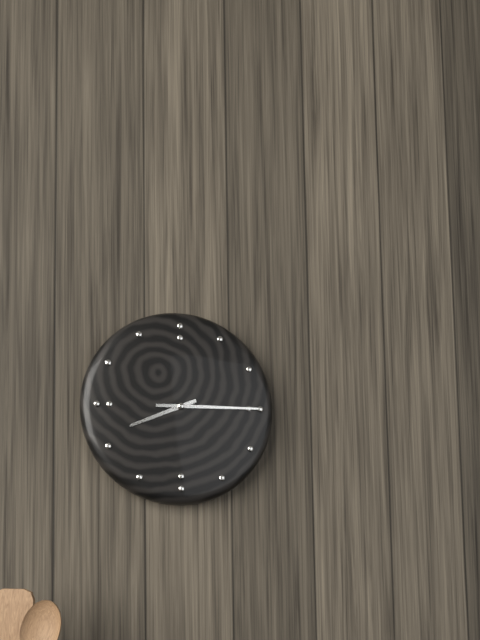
8:15
